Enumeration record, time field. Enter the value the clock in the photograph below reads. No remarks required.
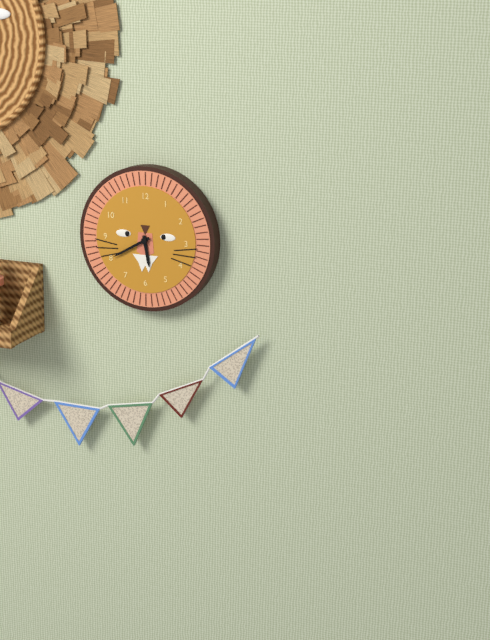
5:40
